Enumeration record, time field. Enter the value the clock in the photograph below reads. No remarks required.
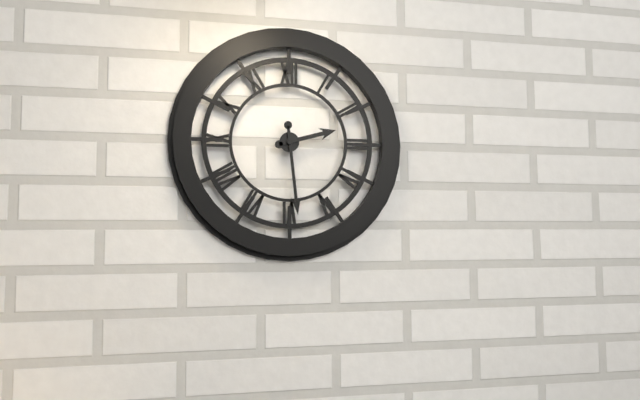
2:29
